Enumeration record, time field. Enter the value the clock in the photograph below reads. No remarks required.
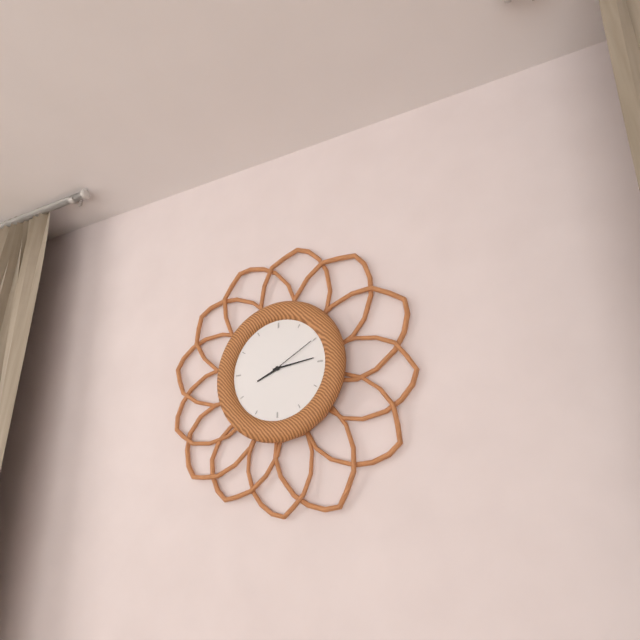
8:14:10
